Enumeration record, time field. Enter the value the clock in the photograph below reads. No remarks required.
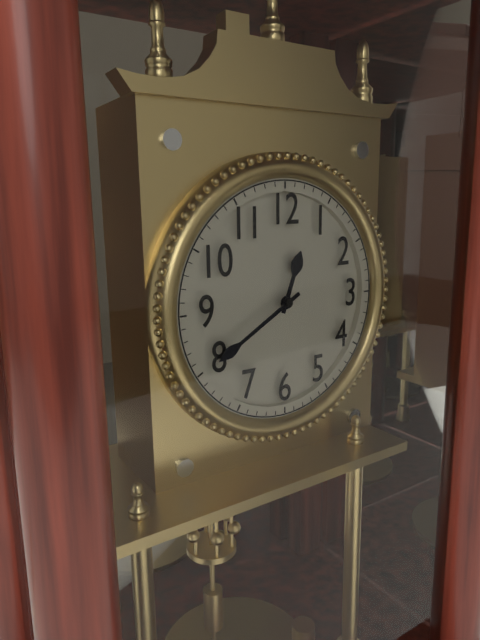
12:40
